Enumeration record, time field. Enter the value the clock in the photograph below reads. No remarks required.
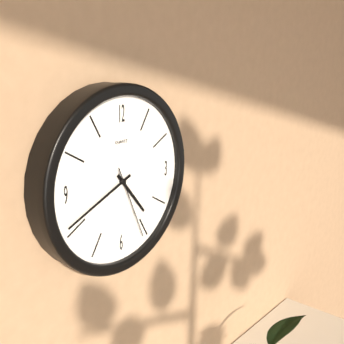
4:41:26
